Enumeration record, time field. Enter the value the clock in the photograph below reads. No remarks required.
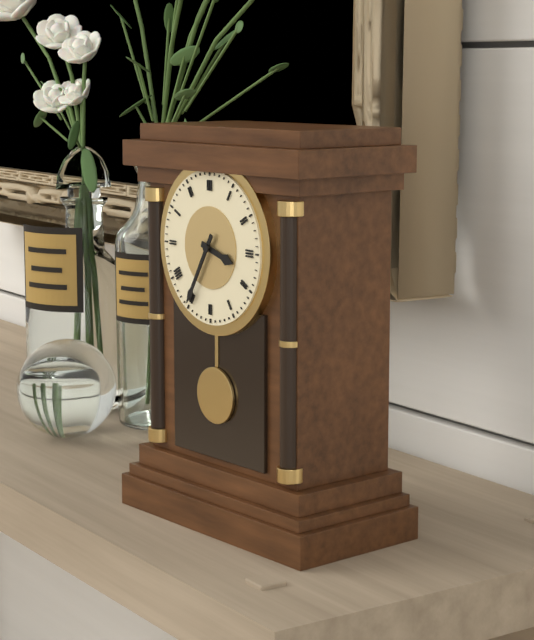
3:35
